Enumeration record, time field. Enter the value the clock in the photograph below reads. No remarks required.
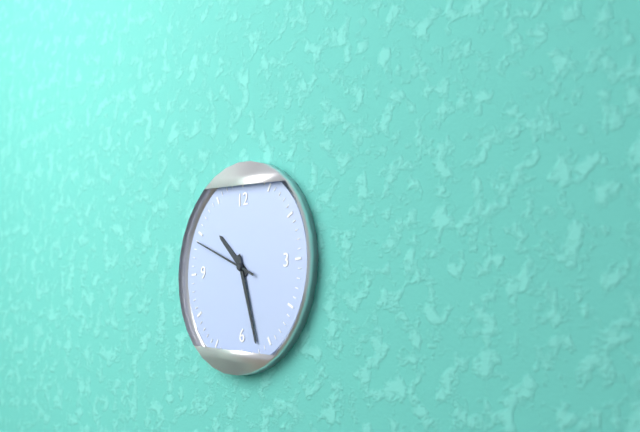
10:27:49
